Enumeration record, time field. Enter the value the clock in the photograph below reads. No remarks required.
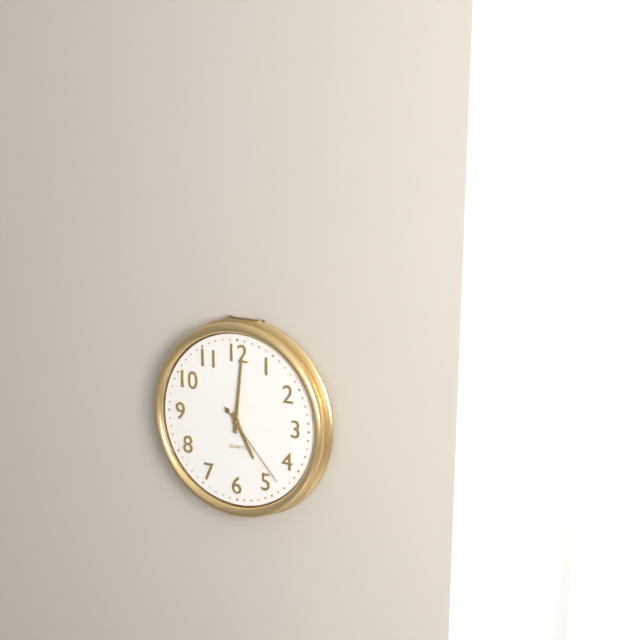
5:01:23
